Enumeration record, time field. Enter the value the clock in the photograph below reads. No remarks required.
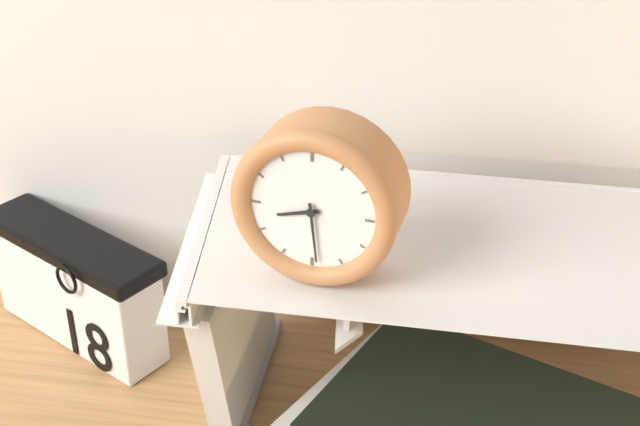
8:29
